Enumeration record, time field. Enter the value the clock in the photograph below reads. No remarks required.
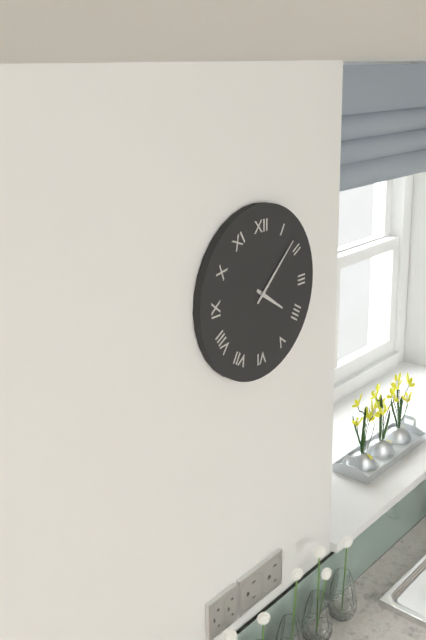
4:08
